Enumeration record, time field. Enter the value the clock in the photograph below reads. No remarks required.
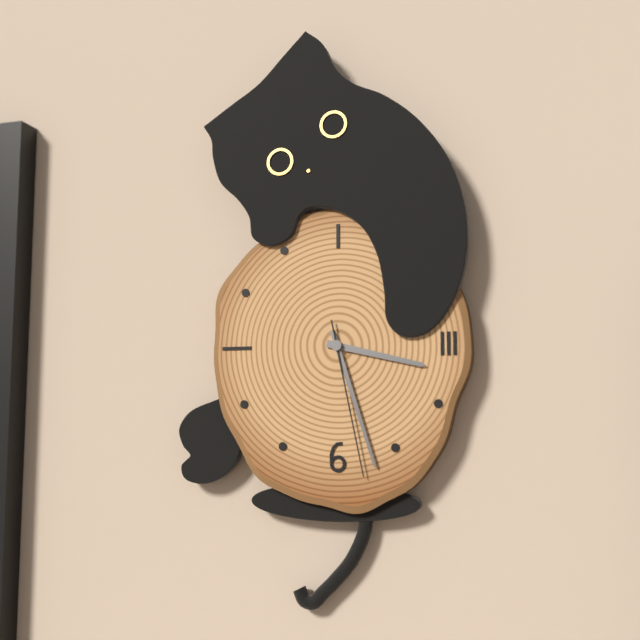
3:27:28
